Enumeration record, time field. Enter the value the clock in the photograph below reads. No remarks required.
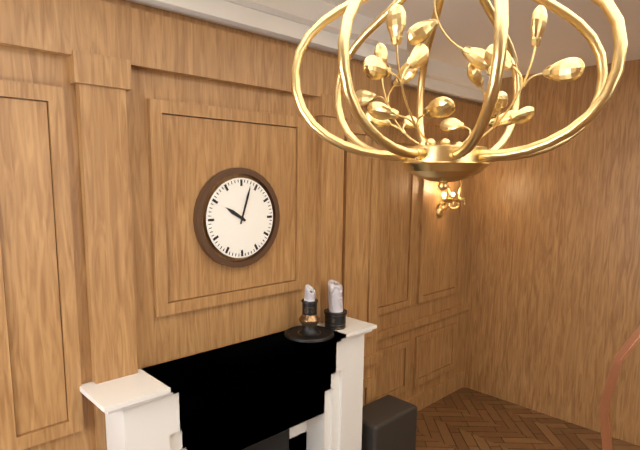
10:03
